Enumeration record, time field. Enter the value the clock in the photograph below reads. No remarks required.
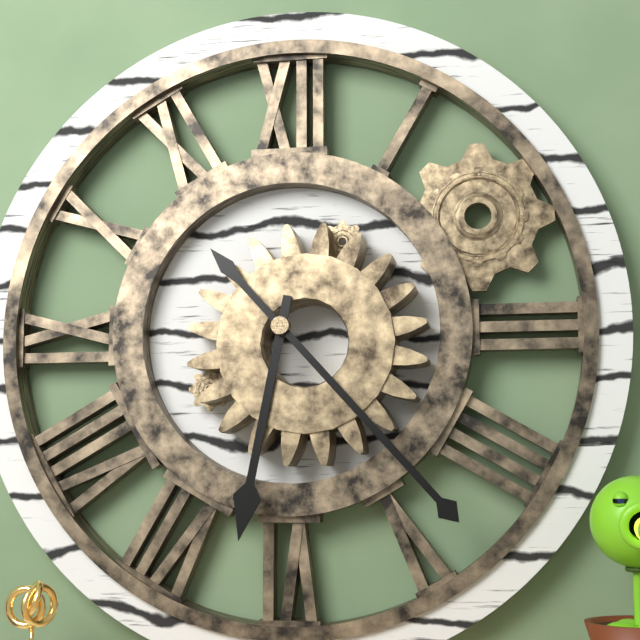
6:23
